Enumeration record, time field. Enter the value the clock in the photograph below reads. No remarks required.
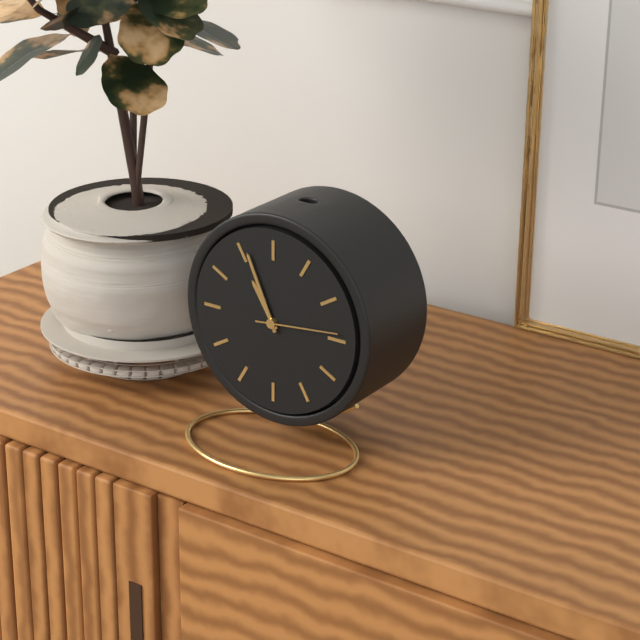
10:56:14
